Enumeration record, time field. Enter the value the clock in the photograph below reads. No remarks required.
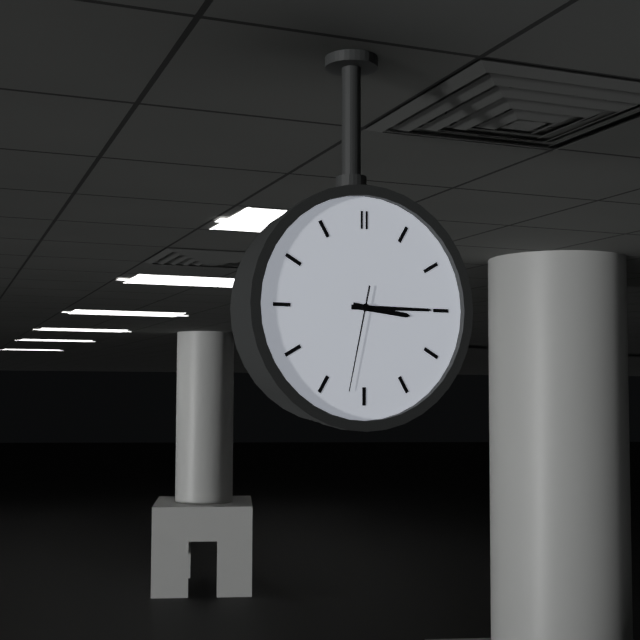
3:15:32
